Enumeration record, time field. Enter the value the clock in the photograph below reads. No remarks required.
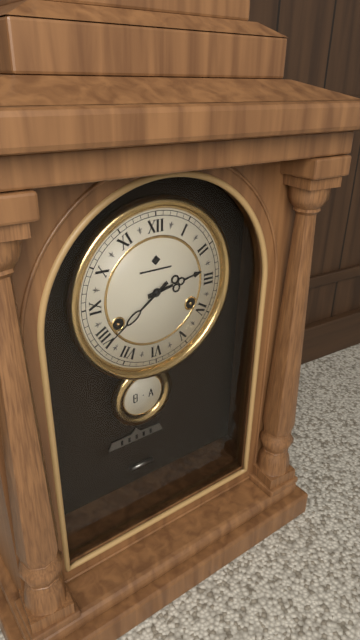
2:39
